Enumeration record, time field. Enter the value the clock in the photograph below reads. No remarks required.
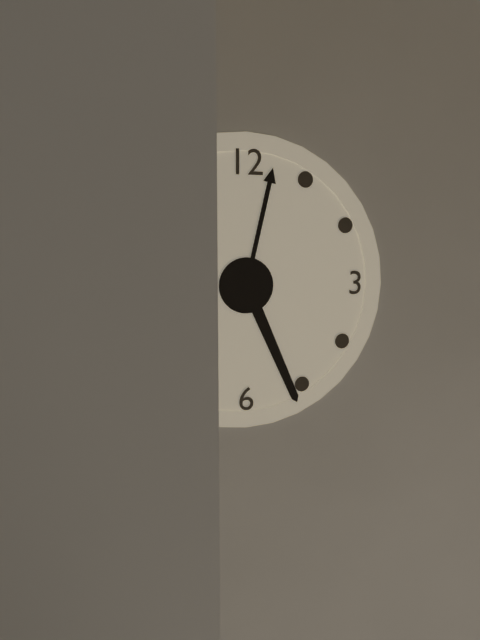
12:26
